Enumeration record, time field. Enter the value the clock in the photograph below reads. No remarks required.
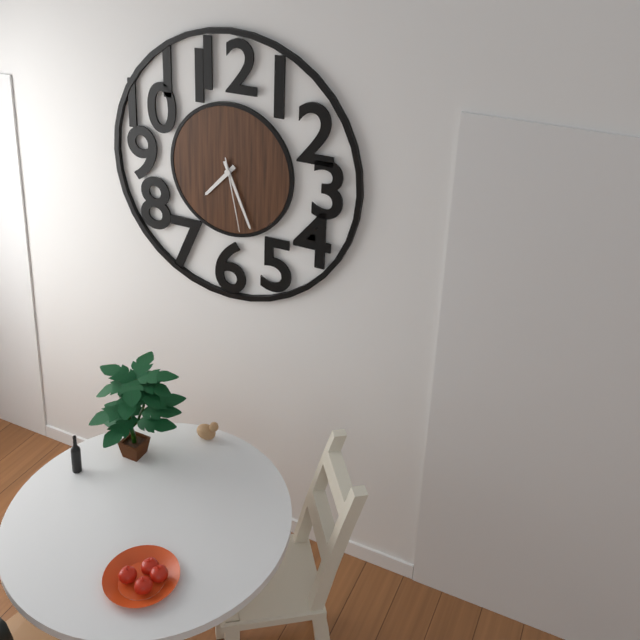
7:26:28
